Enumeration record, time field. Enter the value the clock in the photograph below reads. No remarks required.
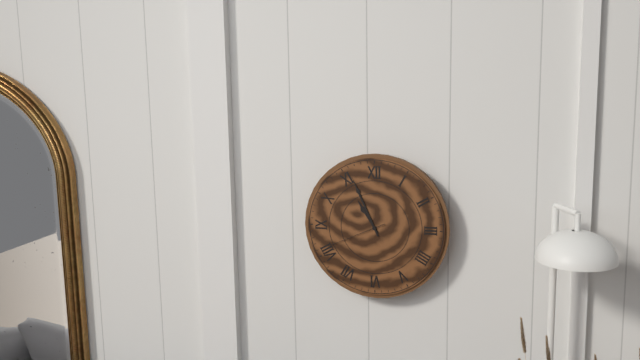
10:56:41
